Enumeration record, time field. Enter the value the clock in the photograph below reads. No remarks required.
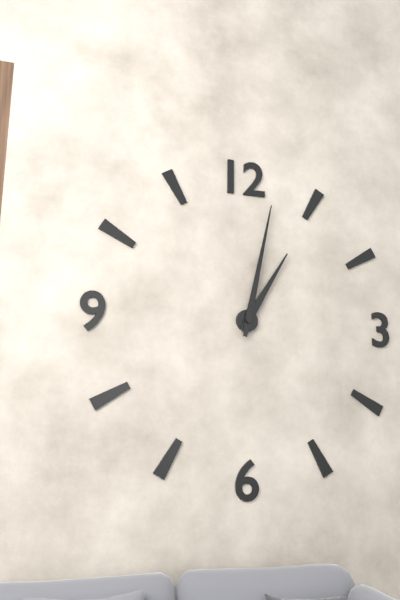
1:02
